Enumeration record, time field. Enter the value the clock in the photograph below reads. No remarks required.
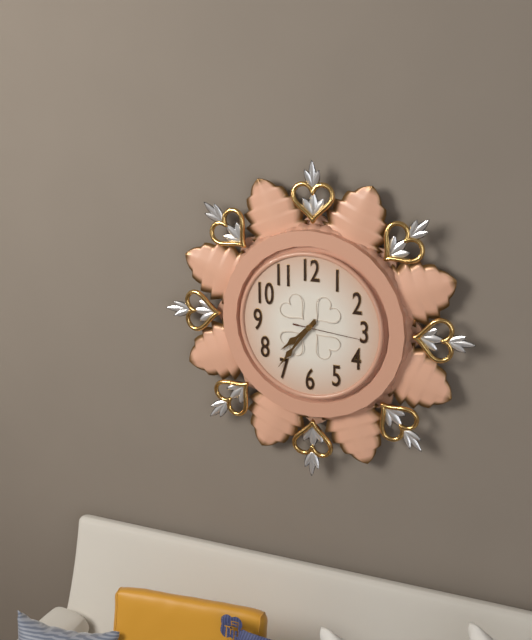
7:36:16
